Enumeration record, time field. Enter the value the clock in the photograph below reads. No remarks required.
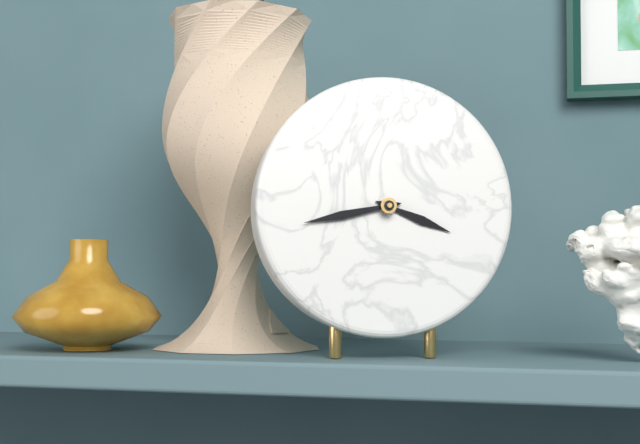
3:43
